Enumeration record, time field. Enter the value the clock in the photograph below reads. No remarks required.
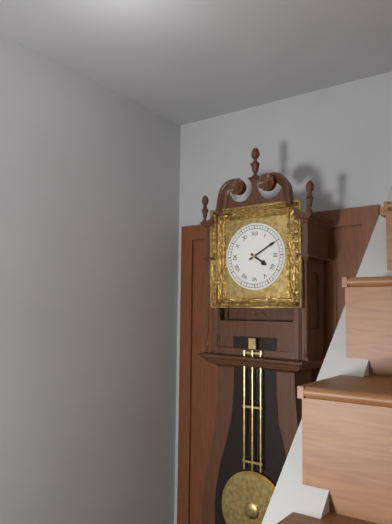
4:10
